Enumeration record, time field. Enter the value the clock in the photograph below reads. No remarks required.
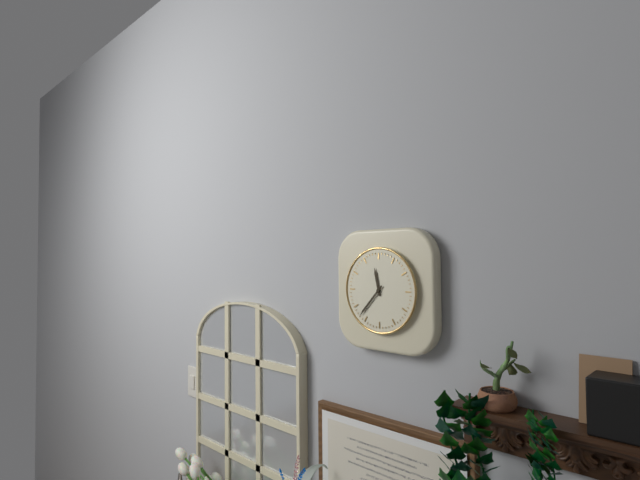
11:37
